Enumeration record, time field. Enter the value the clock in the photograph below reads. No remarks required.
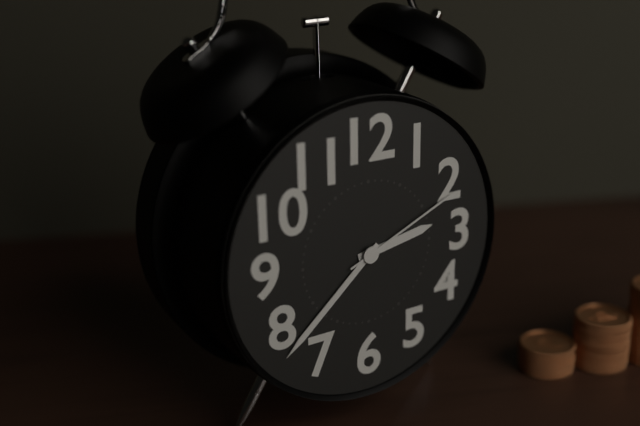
2:38:11
